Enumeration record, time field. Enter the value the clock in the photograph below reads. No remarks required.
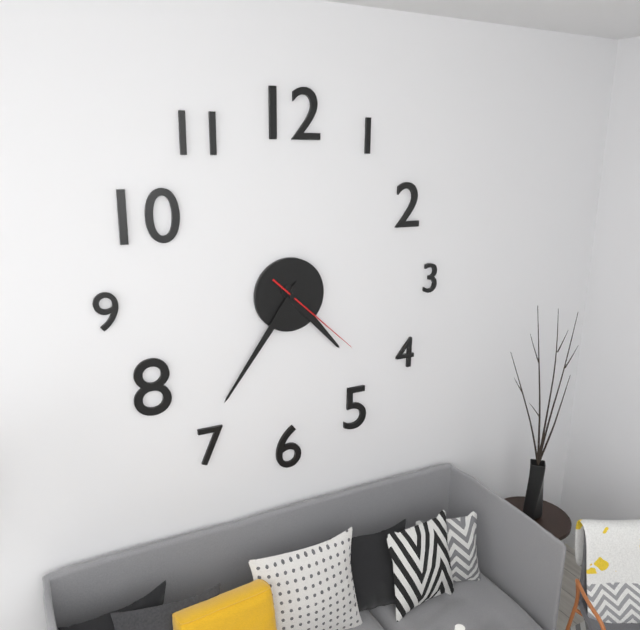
4:36:22
